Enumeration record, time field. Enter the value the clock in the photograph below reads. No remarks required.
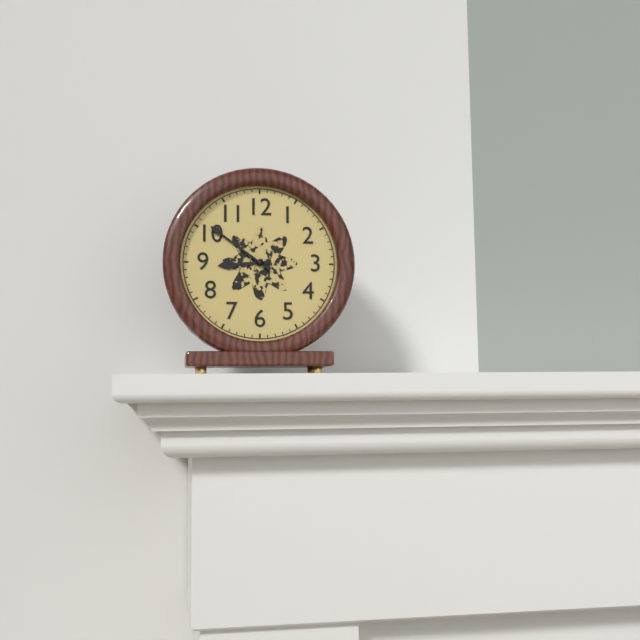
8:51
